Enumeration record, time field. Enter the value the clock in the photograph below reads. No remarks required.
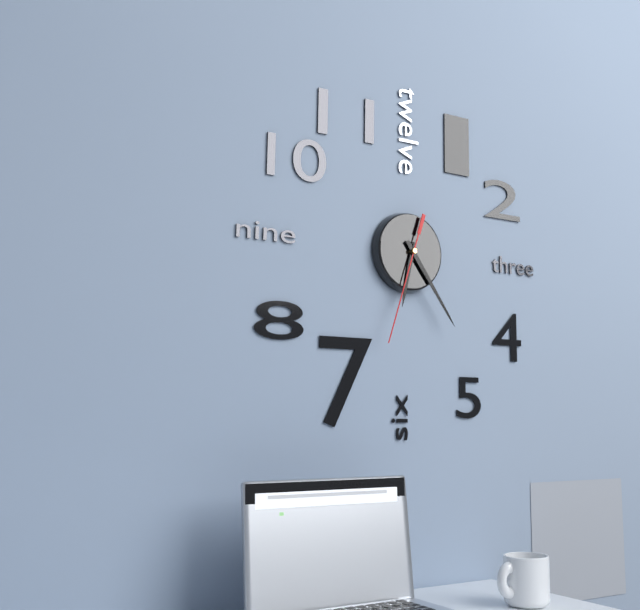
6:24:33
